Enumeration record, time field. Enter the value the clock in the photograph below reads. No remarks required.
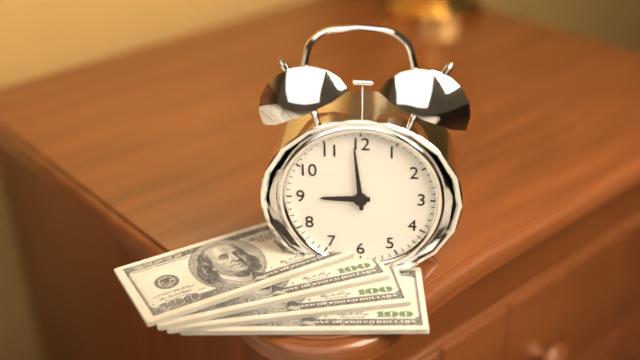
8:59
